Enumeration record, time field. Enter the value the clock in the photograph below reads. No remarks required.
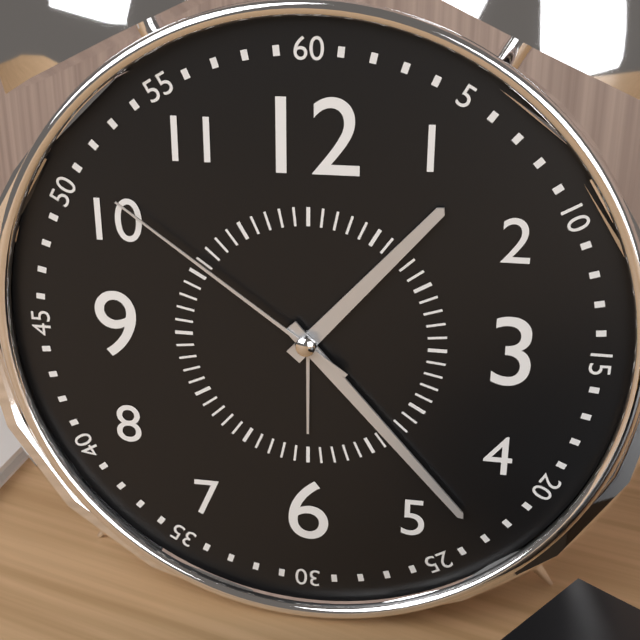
1:23:51
